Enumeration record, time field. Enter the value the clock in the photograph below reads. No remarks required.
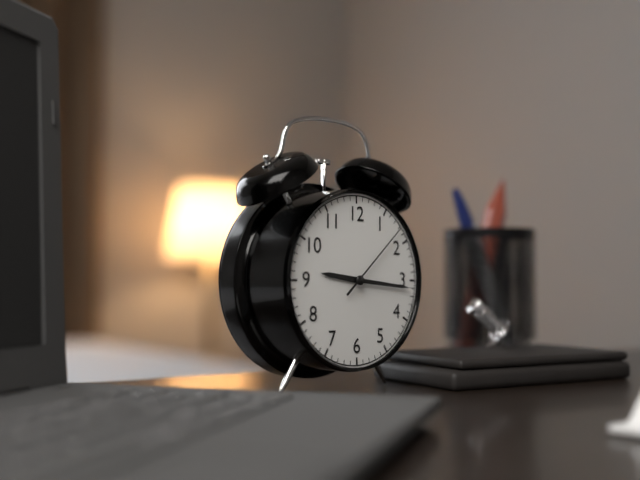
9:16:08
